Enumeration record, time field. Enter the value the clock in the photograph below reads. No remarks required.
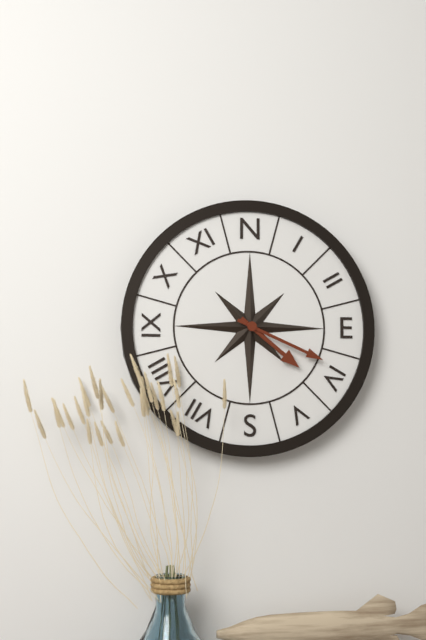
4:19
